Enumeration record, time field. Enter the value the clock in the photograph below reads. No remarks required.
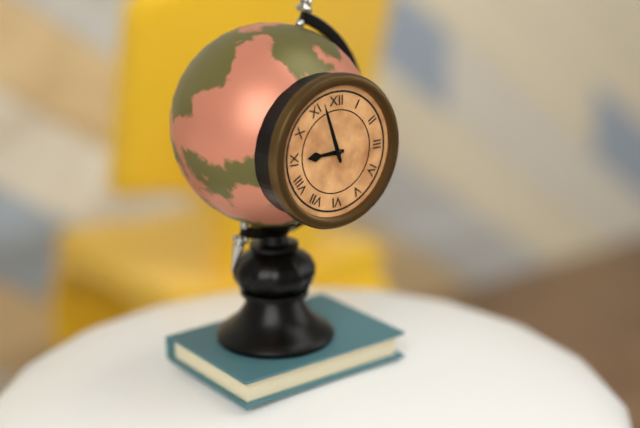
8:57
